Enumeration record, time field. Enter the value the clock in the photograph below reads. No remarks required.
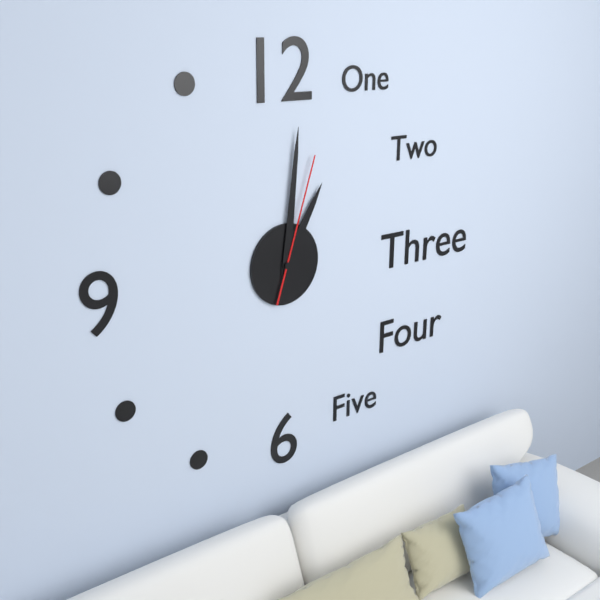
1:01:03
